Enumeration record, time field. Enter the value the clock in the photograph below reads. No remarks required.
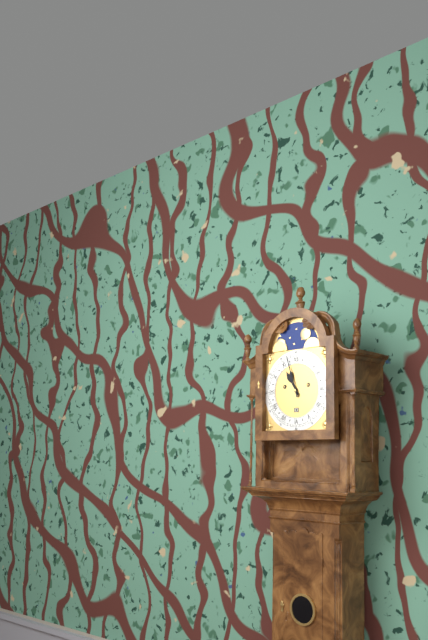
10:57
